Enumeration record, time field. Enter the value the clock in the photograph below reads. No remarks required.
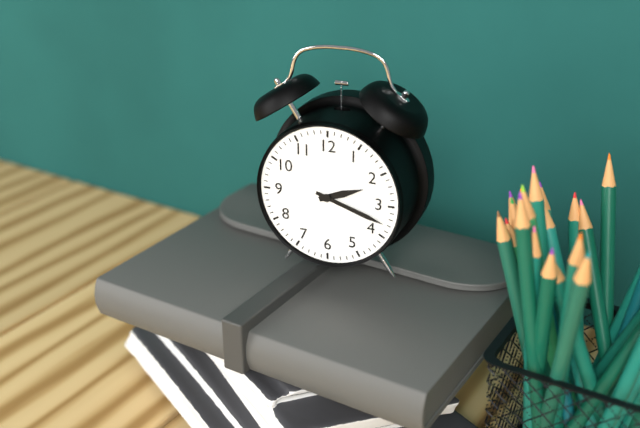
2:18
